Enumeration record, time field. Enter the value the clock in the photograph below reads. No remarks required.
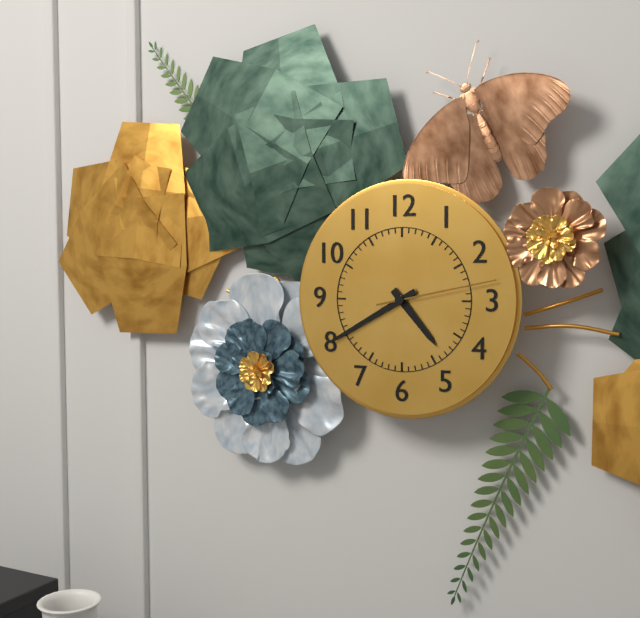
4:40:13
